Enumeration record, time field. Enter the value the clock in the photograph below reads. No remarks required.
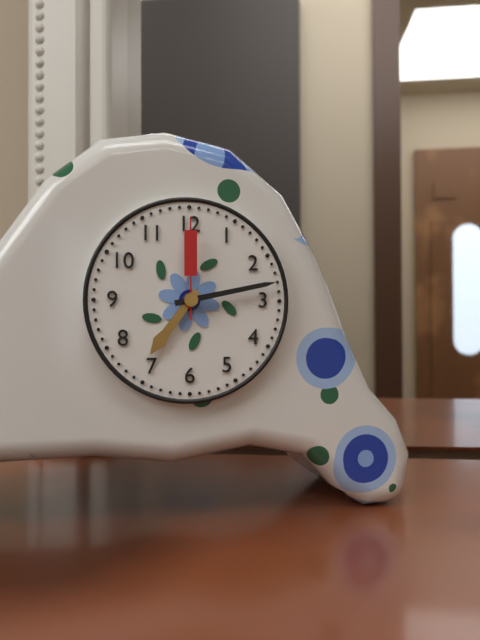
7:13:00
